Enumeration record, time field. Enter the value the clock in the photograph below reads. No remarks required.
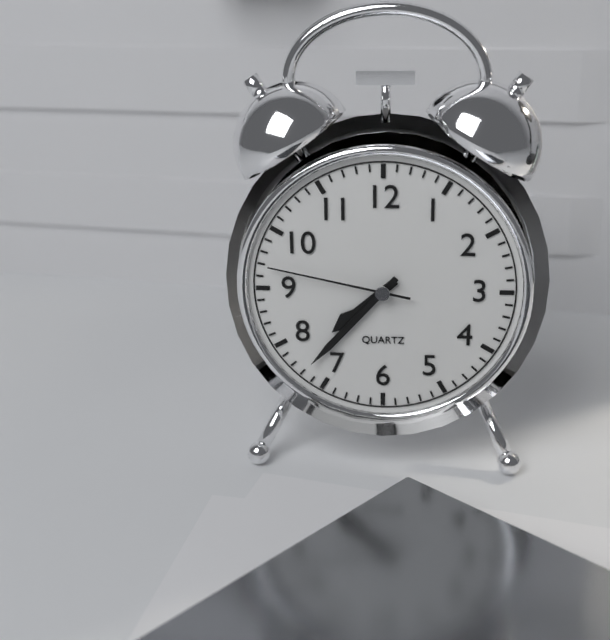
7:37:47
